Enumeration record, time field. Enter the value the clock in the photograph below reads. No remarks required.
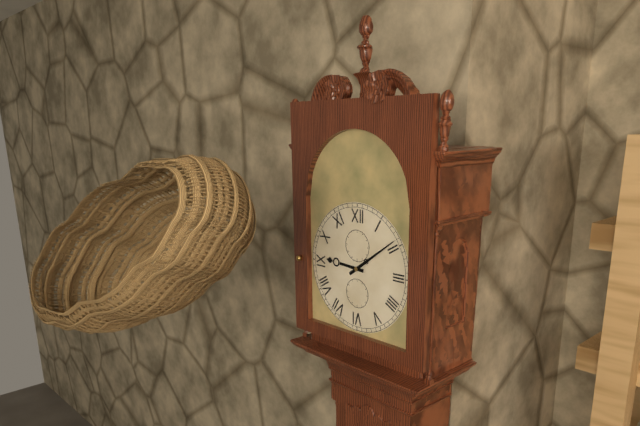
9:09
